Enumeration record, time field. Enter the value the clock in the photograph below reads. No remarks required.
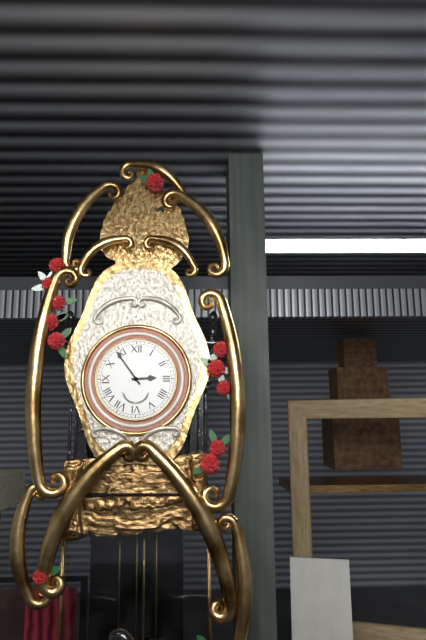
2:54
